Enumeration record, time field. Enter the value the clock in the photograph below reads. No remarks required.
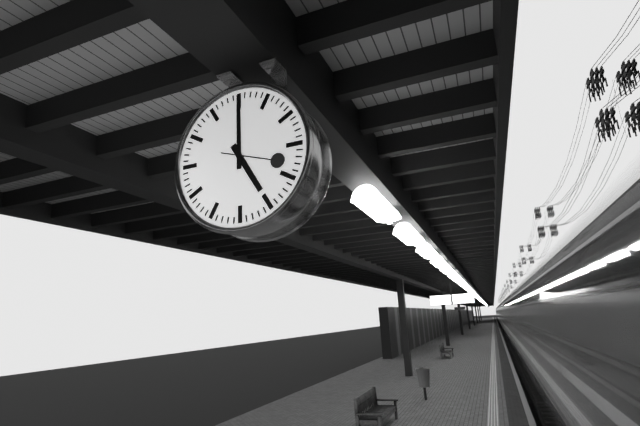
5:00
